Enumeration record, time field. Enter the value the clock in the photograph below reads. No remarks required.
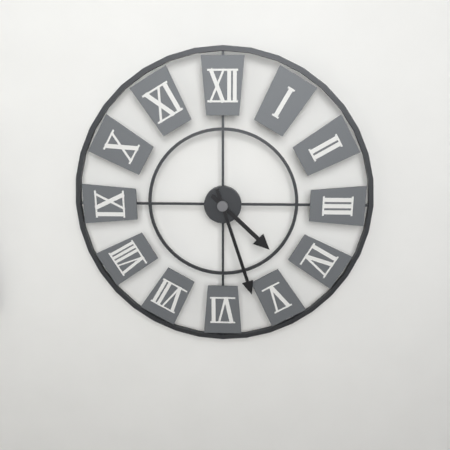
4:27
